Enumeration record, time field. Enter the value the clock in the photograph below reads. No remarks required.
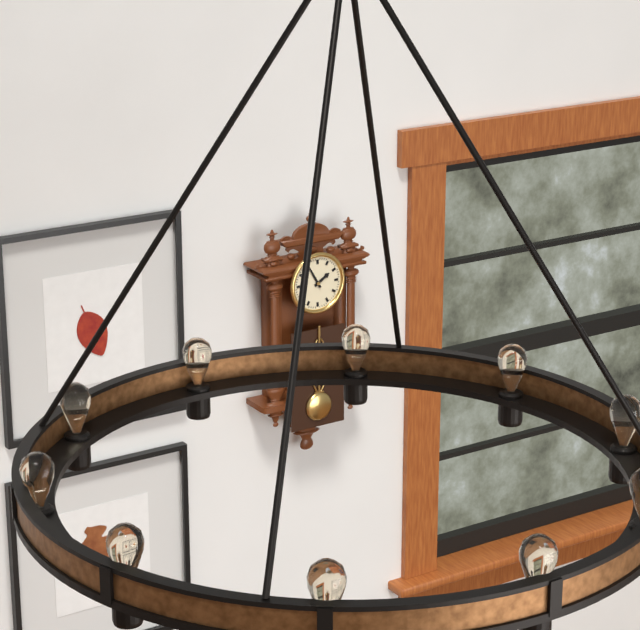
1:55
